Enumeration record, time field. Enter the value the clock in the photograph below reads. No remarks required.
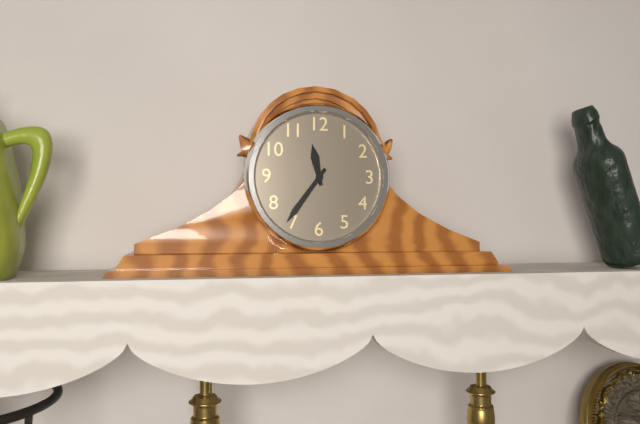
11:36
